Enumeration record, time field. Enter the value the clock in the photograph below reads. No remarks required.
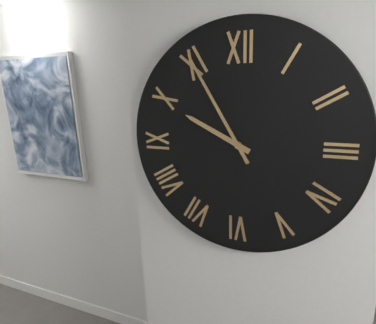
9:55
